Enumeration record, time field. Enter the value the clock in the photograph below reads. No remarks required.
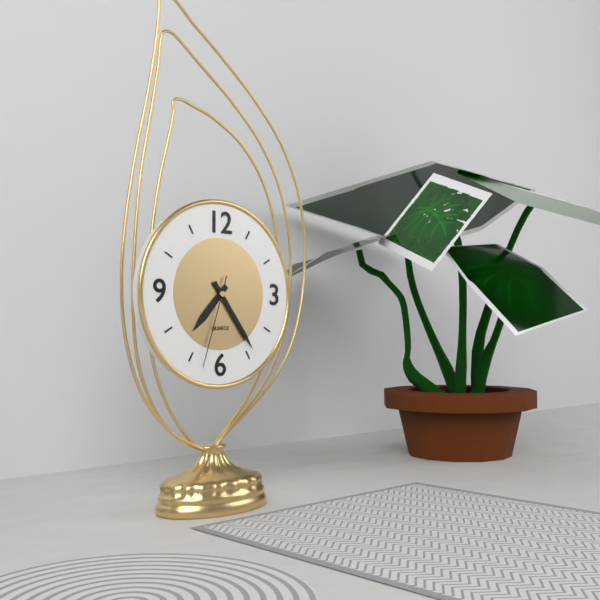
7:24:33
